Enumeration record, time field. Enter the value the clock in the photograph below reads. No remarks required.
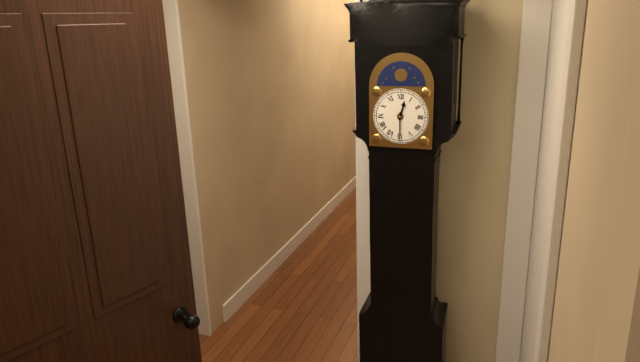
12:30
